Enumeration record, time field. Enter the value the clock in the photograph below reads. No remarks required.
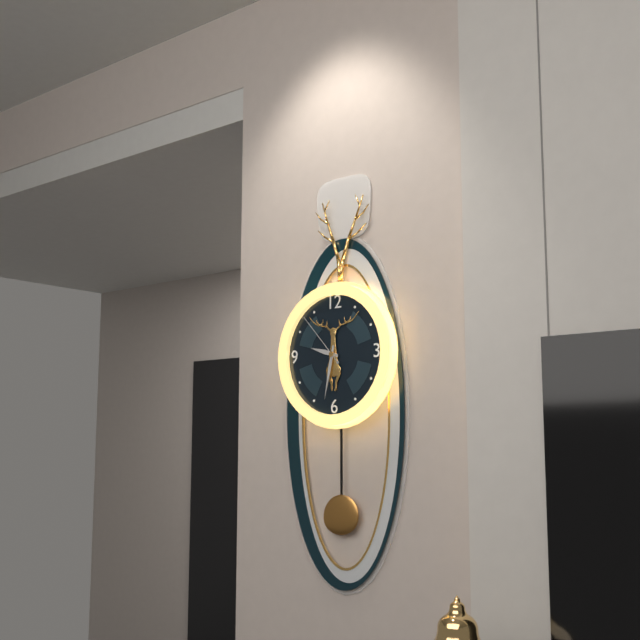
9:32:53
